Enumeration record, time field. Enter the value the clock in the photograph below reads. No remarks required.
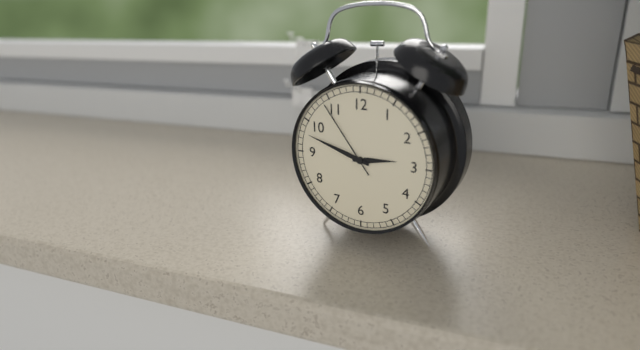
2:48:54
